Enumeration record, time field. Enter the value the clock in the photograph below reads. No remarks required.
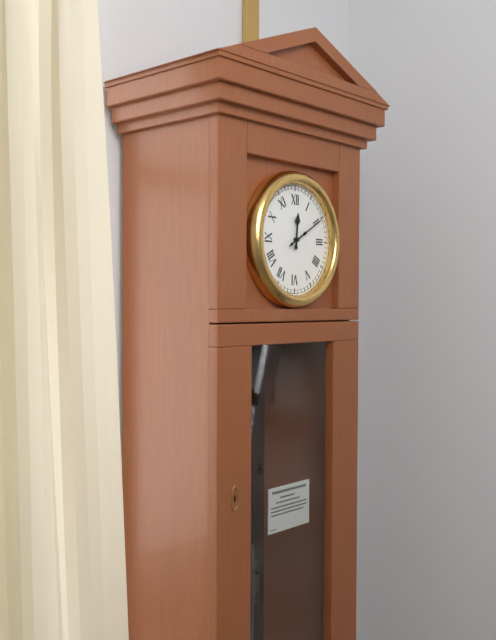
12:10
